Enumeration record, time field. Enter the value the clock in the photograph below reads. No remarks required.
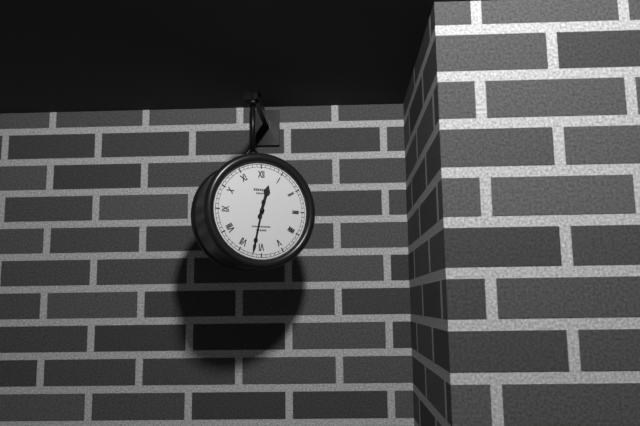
12:32
